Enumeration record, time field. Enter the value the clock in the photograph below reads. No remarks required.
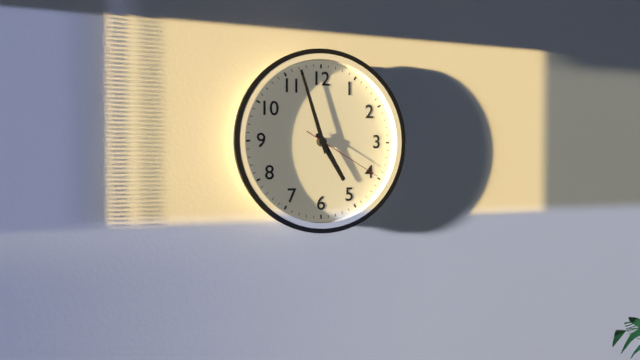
4:57:20
